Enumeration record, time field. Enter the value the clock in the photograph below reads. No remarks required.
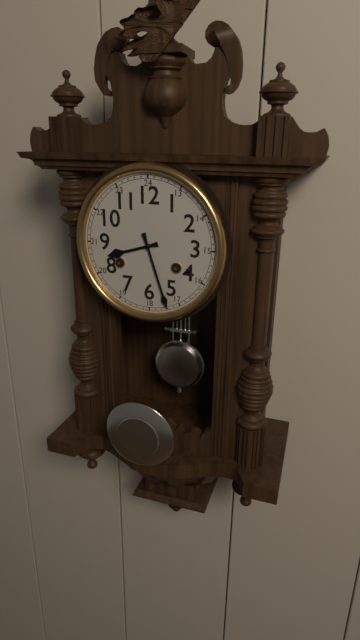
8:27
